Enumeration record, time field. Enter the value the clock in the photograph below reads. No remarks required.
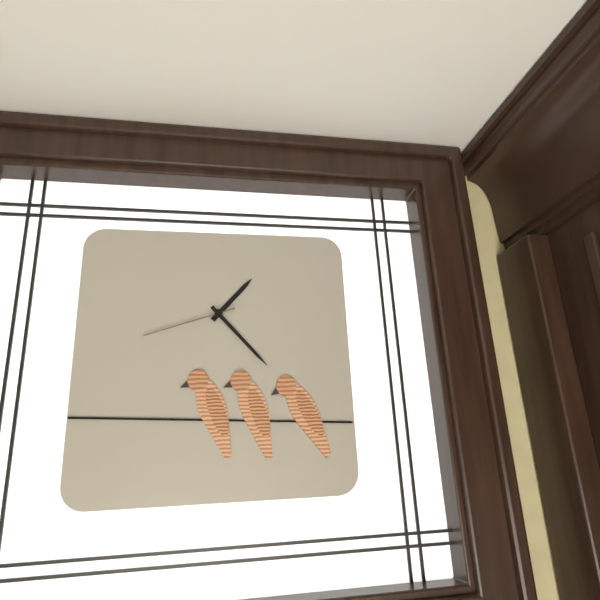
1:23:42
